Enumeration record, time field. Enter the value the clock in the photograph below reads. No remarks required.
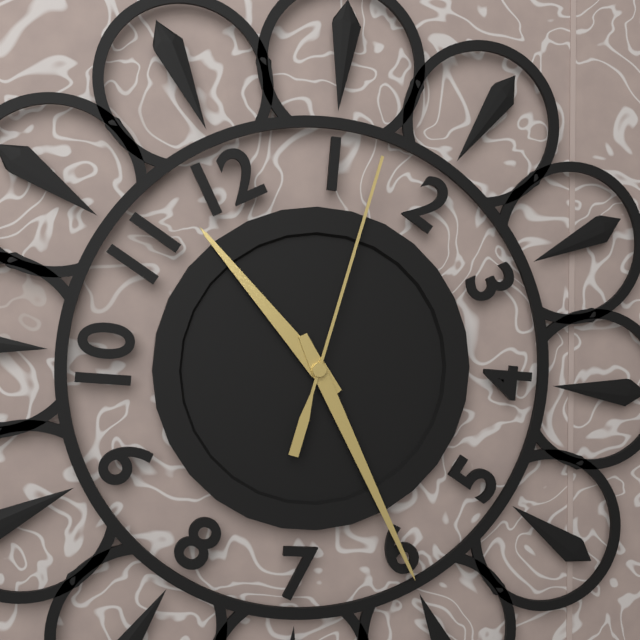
11:30:07
